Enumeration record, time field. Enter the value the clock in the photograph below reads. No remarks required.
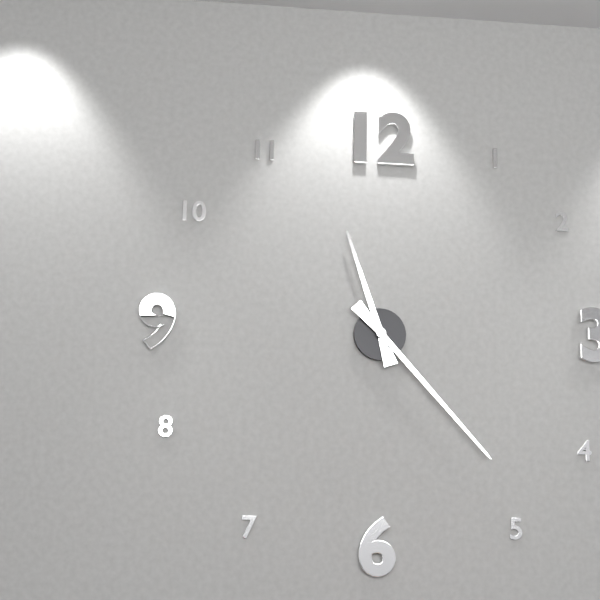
11:23
